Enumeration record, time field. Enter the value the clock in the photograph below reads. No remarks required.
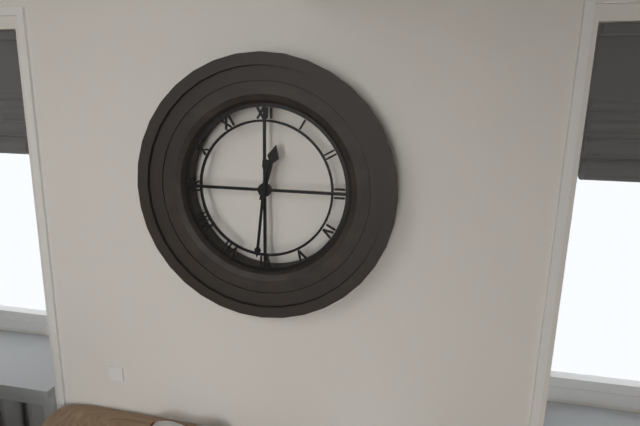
12:31
